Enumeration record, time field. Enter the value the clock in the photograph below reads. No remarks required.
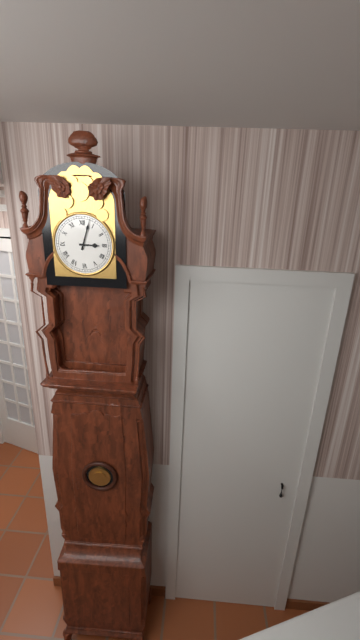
3:03
